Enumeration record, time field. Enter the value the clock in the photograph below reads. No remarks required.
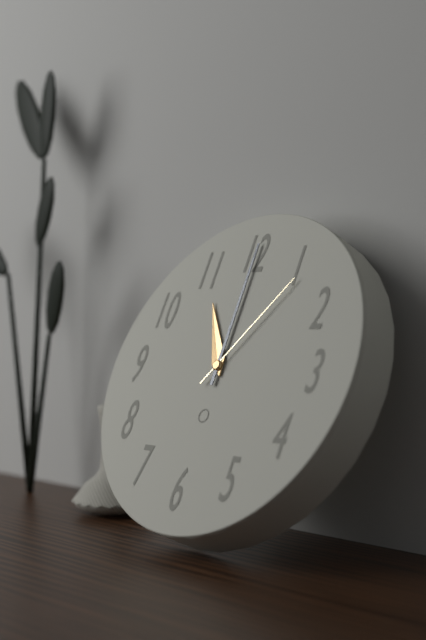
11:00:06
